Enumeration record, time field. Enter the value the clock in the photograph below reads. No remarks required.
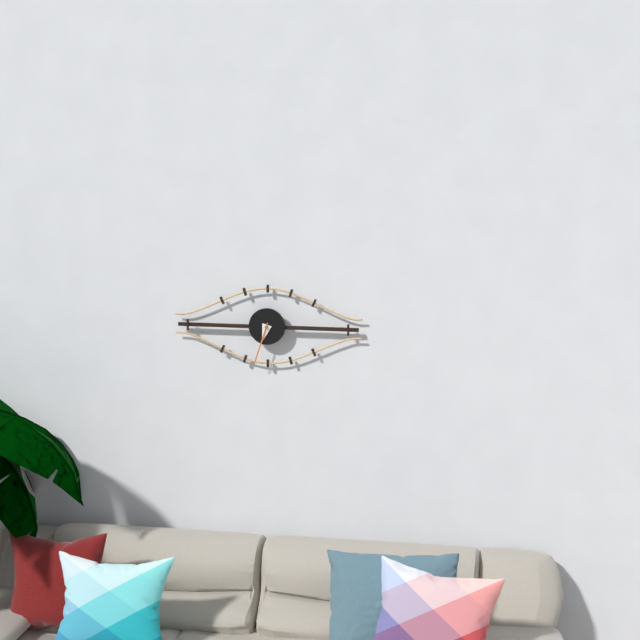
6:33
